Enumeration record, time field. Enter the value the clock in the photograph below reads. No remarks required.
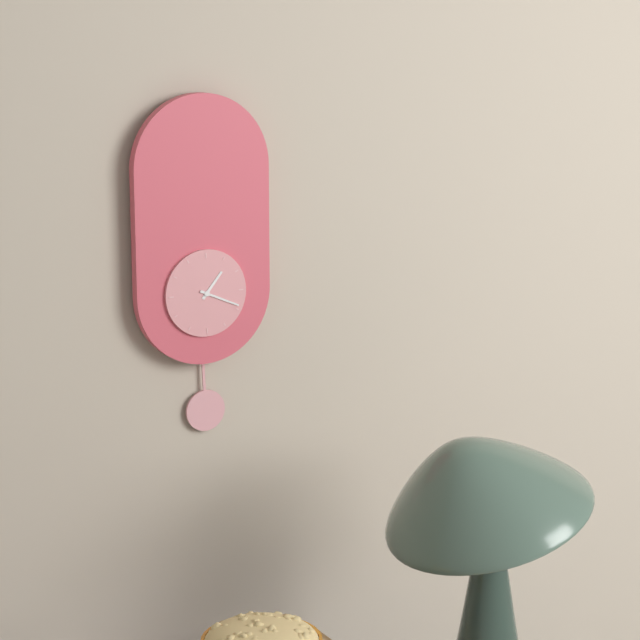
1:19
